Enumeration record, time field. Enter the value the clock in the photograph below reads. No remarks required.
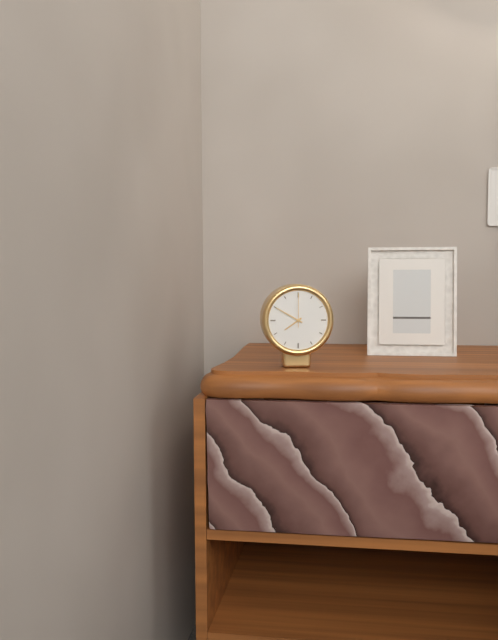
7:50
